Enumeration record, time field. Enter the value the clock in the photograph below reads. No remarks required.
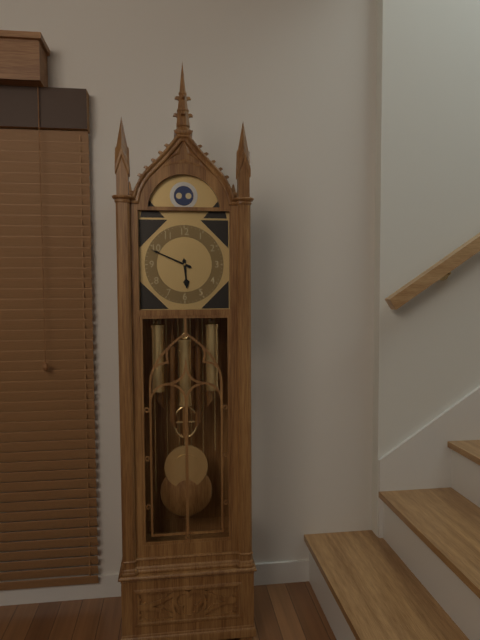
5:49
